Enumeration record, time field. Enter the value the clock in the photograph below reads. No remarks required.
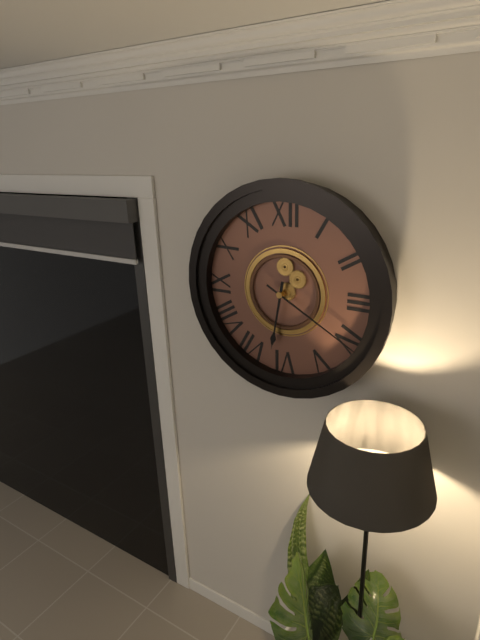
6:20
